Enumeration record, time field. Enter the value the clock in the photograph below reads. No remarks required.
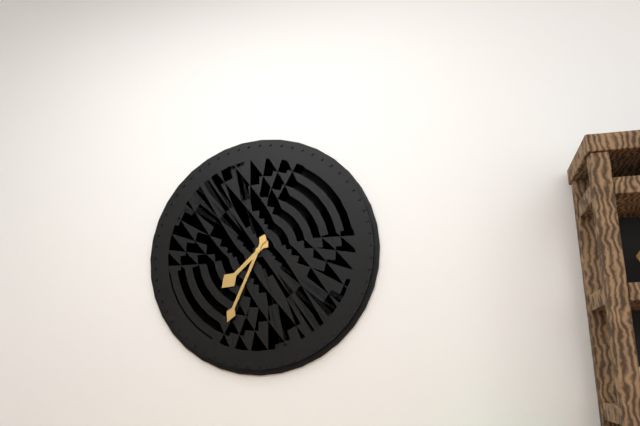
7:34
